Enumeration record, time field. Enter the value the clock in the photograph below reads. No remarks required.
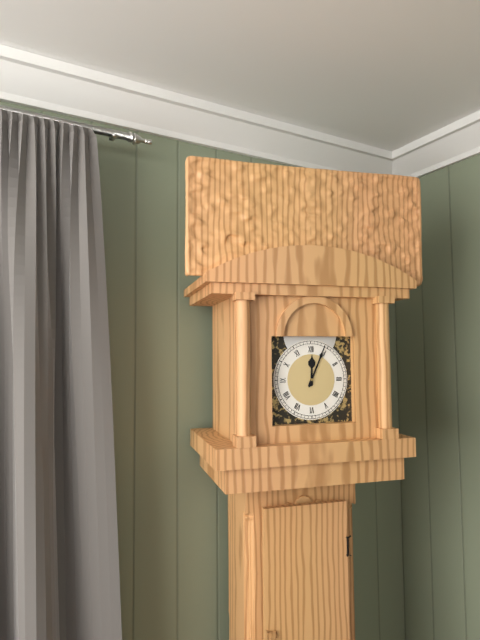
12:04
